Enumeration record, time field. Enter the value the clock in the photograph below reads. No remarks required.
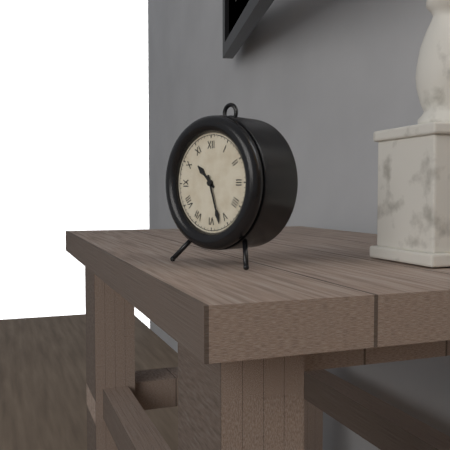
10:27
